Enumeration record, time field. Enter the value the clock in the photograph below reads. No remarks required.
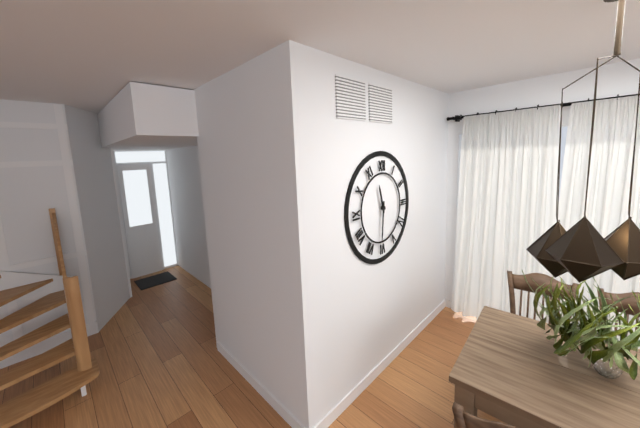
11:31
